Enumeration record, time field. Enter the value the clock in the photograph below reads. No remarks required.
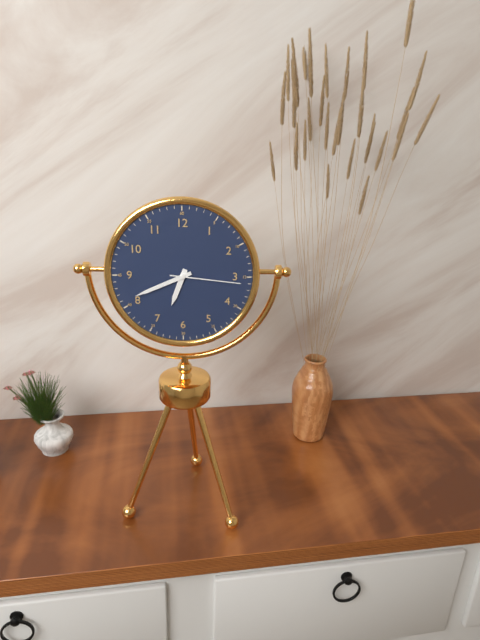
6:41:16
